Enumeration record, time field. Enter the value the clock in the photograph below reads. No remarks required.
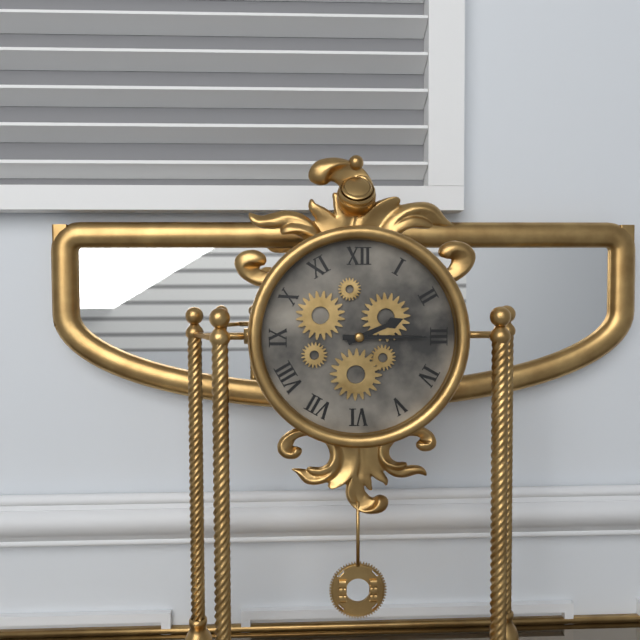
2:15
